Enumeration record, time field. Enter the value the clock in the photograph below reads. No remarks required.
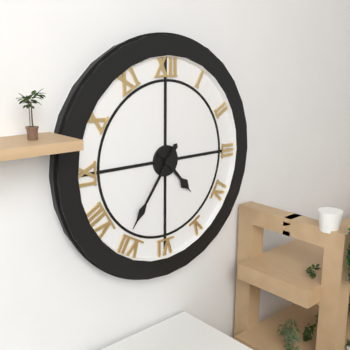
4:36
